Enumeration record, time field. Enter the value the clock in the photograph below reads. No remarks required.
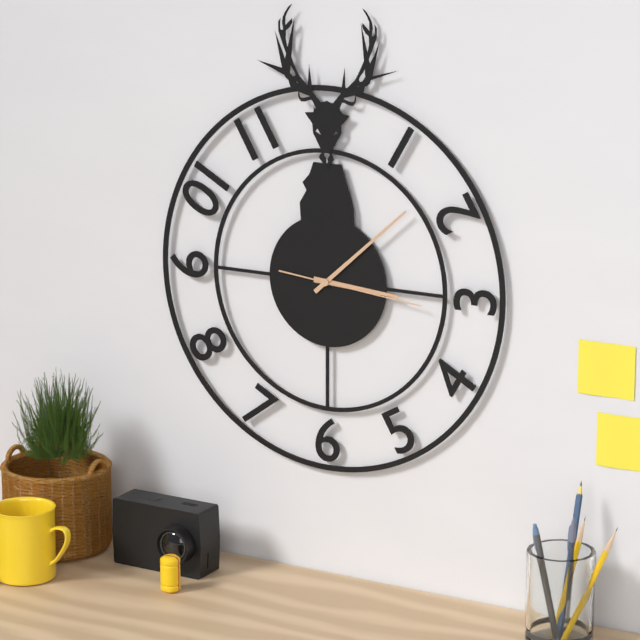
3:08:16
